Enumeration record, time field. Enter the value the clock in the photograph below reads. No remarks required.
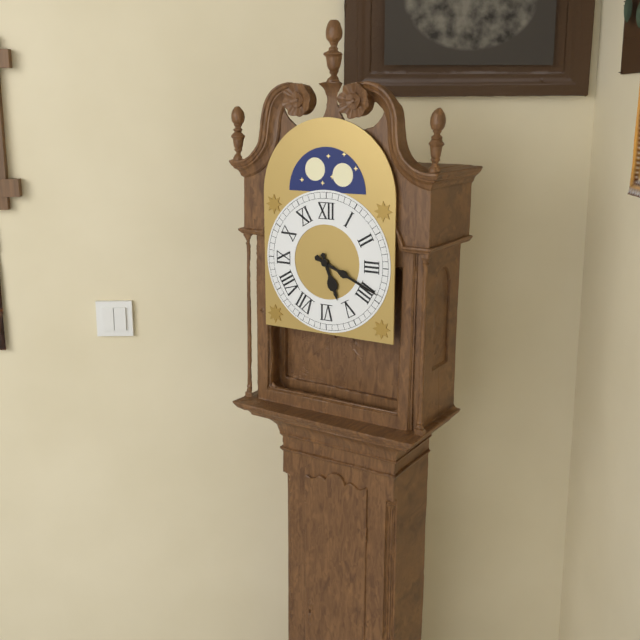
5:19
